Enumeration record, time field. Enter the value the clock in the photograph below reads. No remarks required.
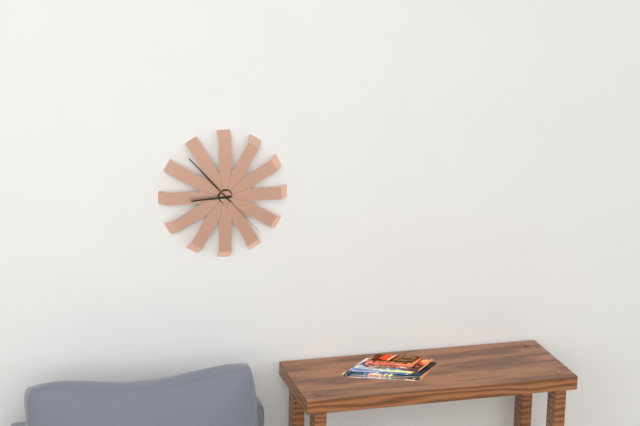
8:53:23
